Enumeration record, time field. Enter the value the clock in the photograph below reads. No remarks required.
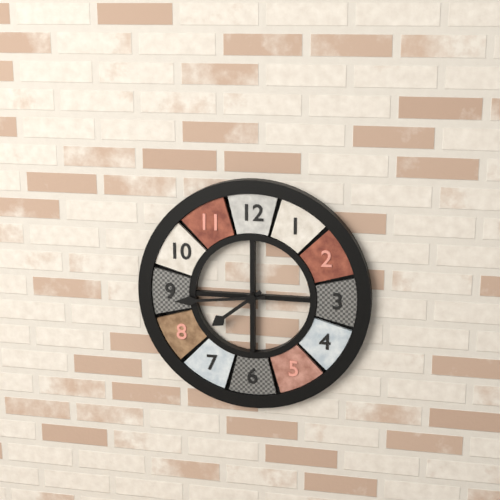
7:44
